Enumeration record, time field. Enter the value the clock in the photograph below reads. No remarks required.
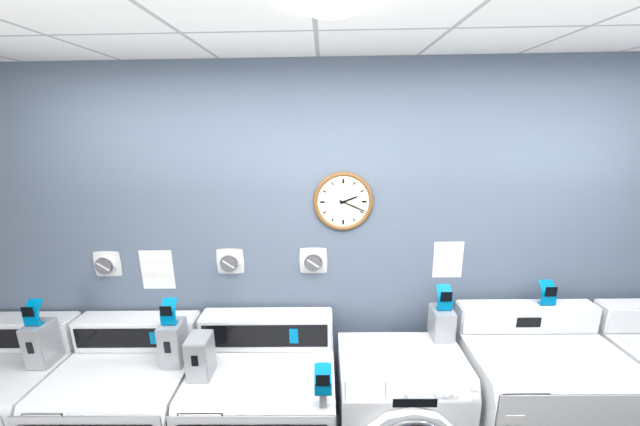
2:19
